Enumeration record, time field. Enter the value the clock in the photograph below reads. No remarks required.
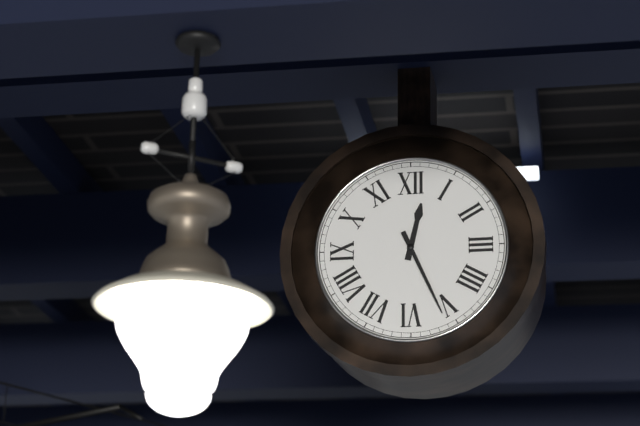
12:26
